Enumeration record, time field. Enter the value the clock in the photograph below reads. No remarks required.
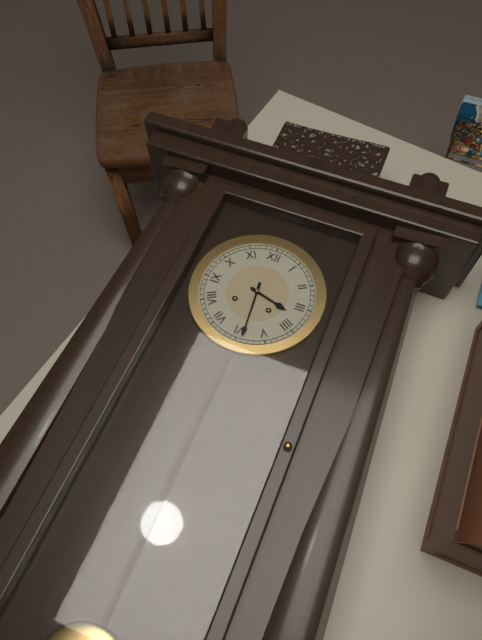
3:29
